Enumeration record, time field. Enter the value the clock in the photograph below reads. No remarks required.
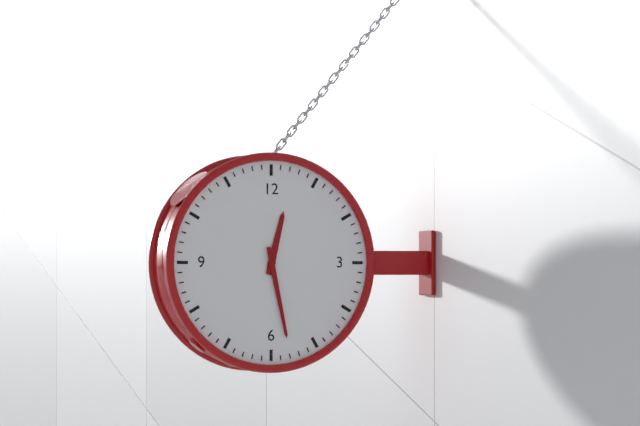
12:28
